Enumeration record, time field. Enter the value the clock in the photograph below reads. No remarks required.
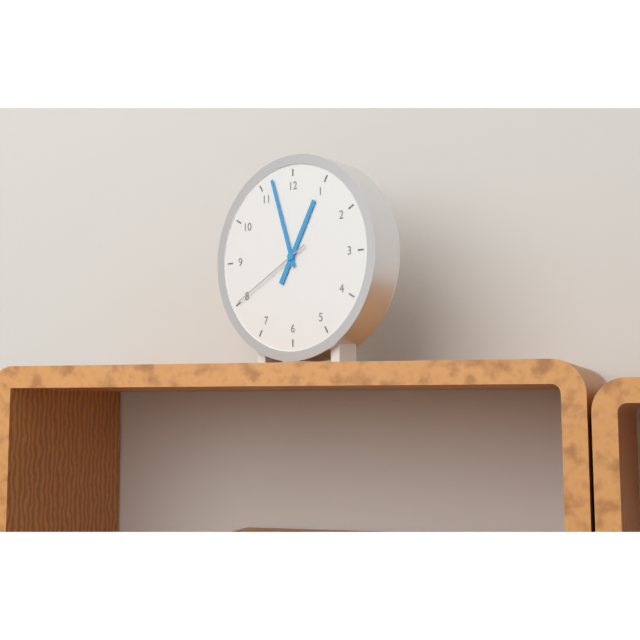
12:57:40
